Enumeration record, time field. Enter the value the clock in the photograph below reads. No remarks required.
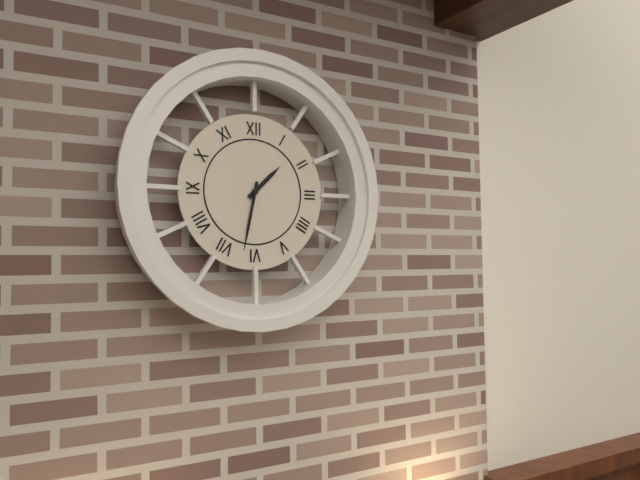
1:32
